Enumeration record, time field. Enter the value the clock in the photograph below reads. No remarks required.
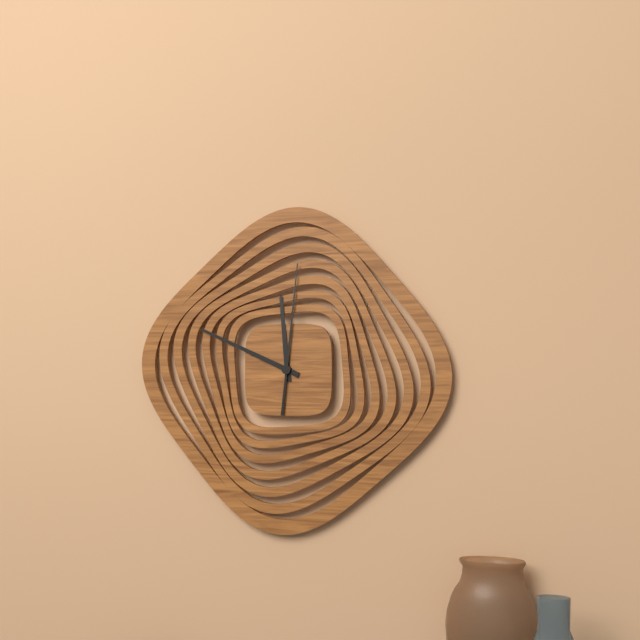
11:49:01
